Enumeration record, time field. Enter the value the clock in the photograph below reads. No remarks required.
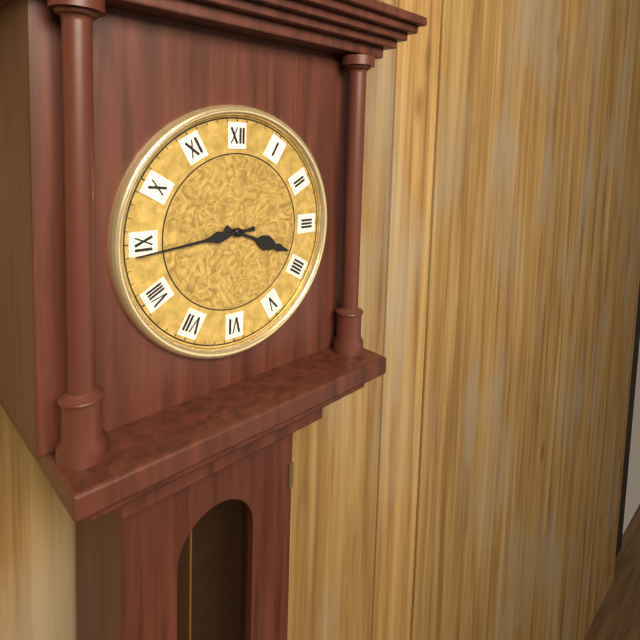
3:44
